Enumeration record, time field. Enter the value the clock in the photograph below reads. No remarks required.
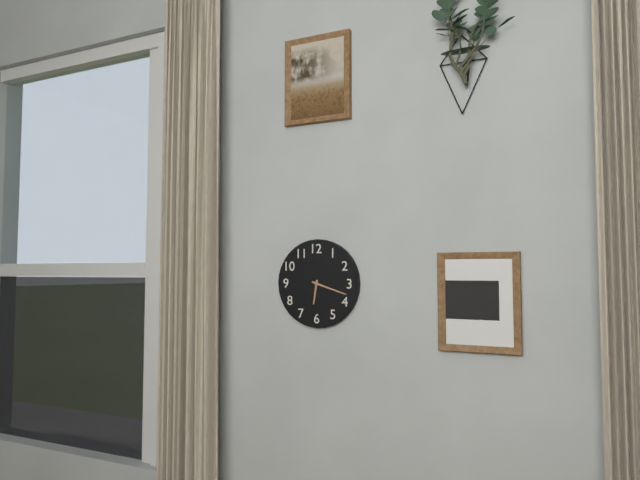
6:18
